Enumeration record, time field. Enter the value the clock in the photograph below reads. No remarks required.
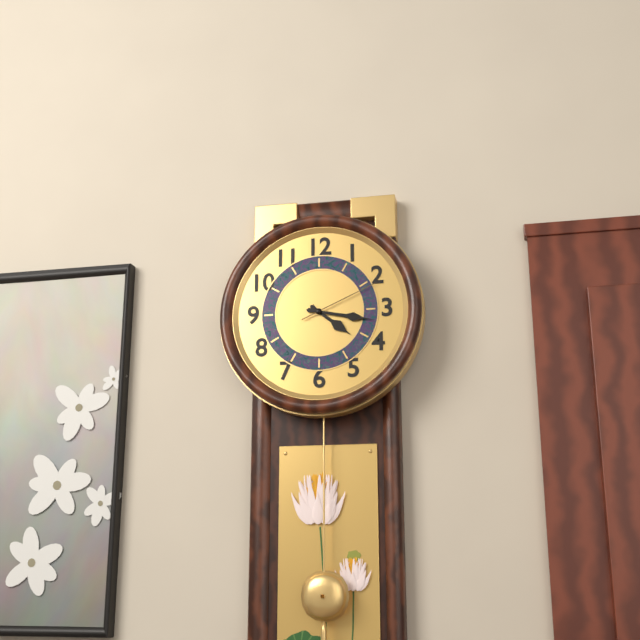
4:17:11
